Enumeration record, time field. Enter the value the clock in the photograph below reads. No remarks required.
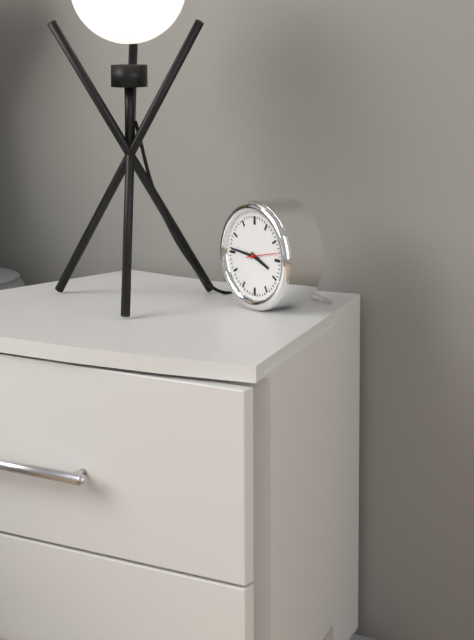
3:46
